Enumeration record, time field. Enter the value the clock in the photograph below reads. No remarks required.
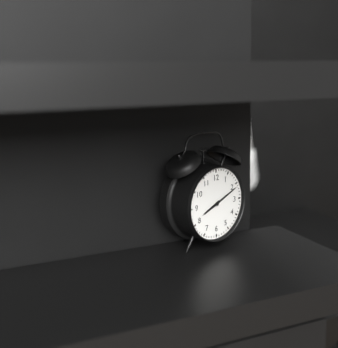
8:11
